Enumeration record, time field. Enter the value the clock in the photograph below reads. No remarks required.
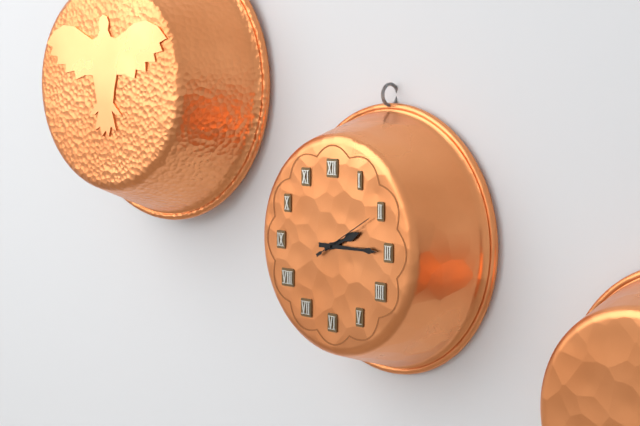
2:15:10
